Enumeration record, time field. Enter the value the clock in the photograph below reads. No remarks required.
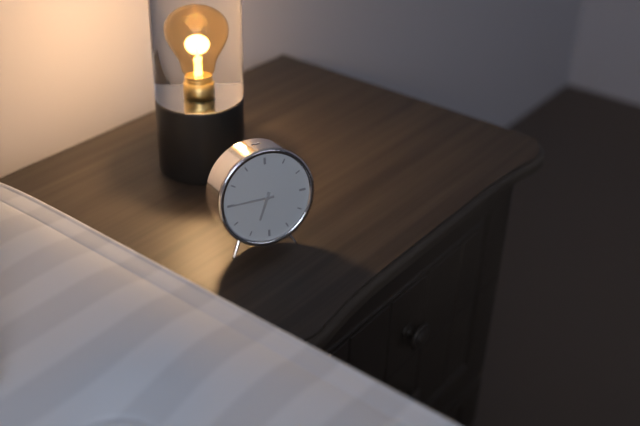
6:45
